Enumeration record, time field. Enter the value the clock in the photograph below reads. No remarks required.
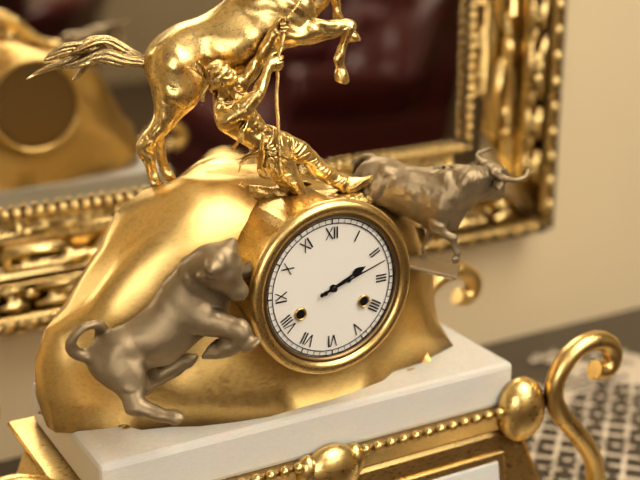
2:12
